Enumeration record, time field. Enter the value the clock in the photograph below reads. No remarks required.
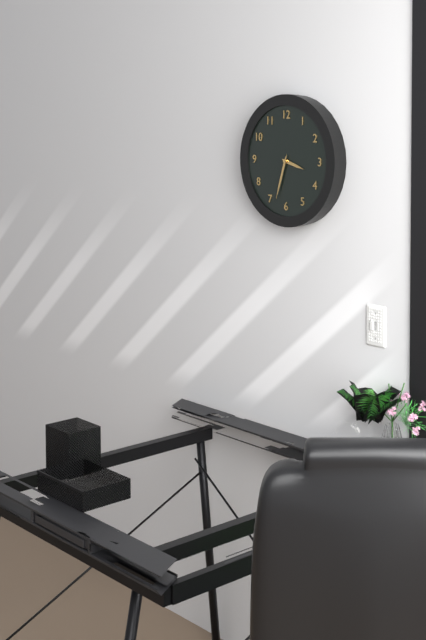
3:33
